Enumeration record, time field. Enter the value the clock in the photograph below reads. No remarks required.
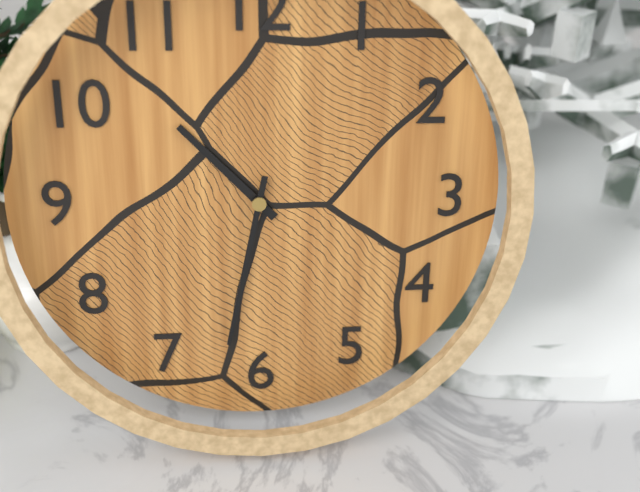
10:32
